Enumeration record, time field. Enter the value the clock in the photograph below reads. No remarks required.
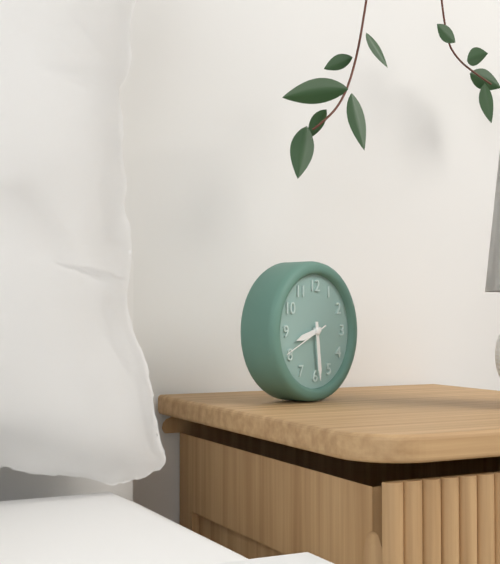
8:29
